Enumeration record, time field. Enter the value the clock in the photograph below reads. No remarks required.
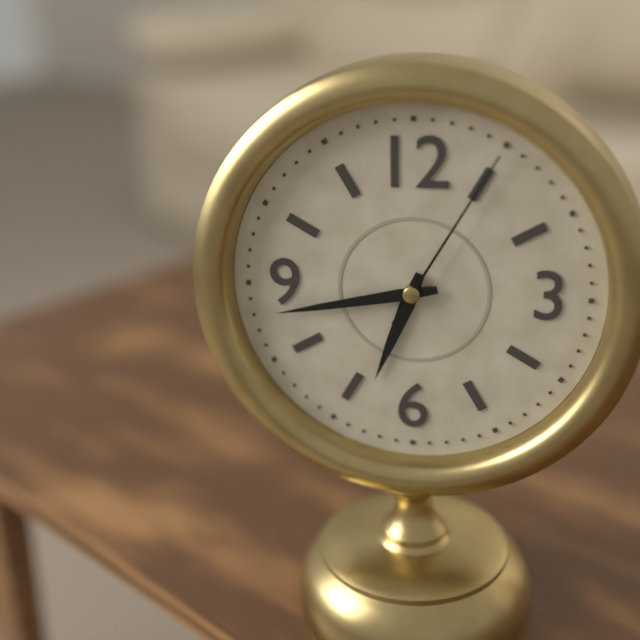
6:43:05
